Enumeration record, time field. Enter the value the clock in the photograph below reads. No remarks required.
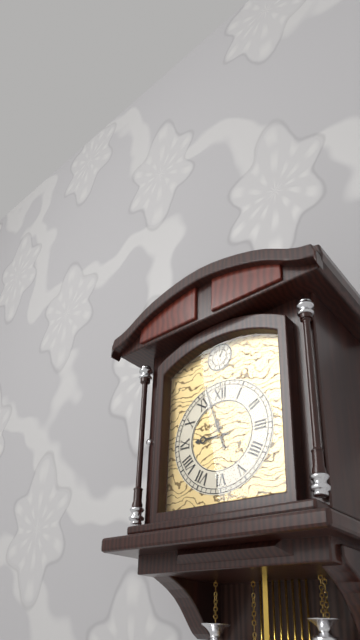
8:57
